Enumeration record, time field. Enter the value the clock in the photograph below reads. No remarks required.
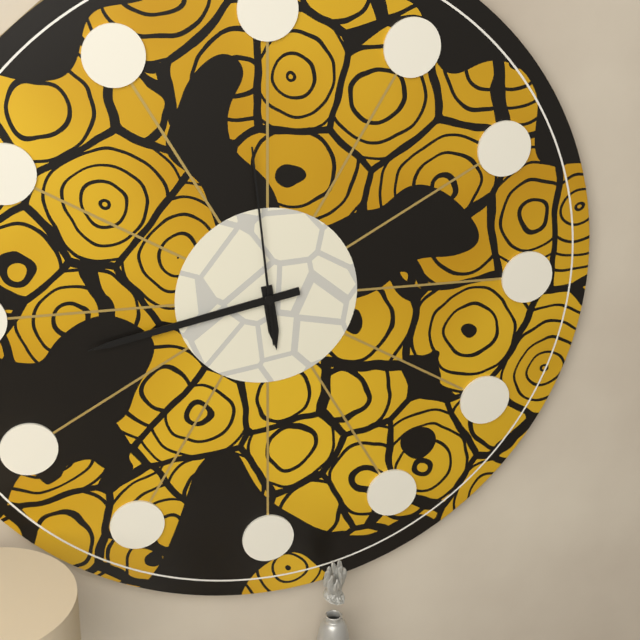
5:43:59
